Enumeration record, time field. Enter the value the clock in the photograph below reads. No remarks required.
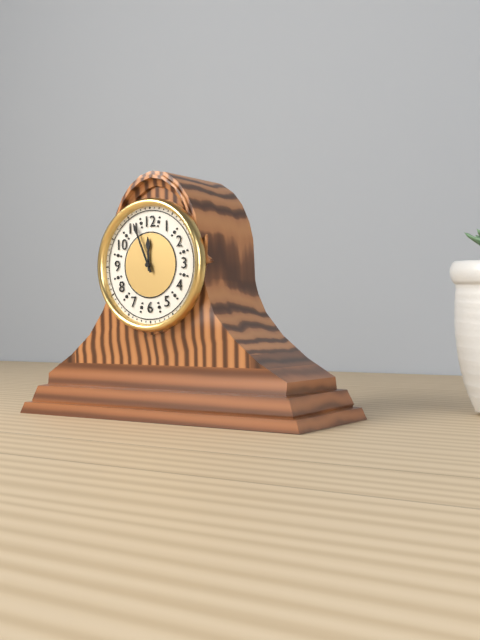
11:56
